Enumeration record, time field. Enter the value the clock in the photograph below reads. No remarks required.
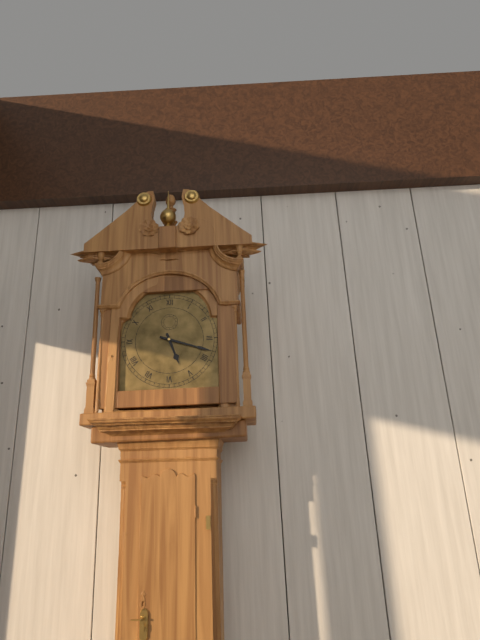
5:18
